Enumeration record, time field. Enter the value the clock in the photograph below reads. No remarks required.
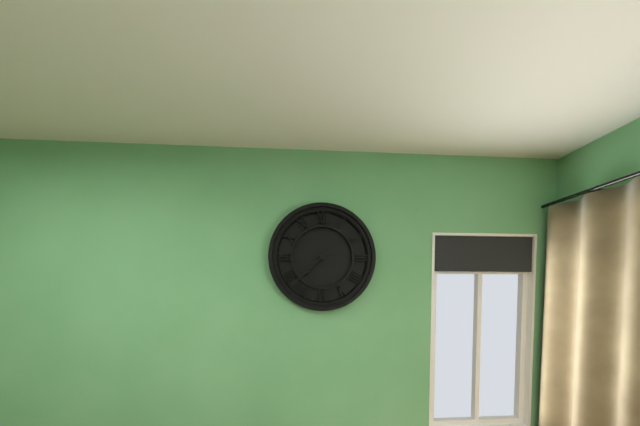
7:38
